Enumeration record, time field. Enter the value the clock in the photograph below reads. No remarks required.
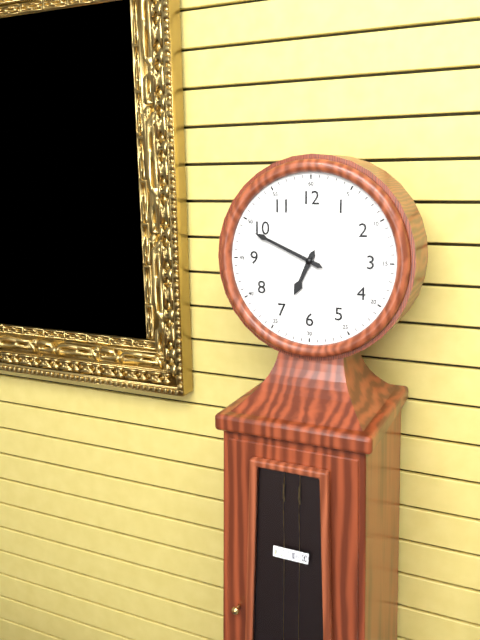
6:49
